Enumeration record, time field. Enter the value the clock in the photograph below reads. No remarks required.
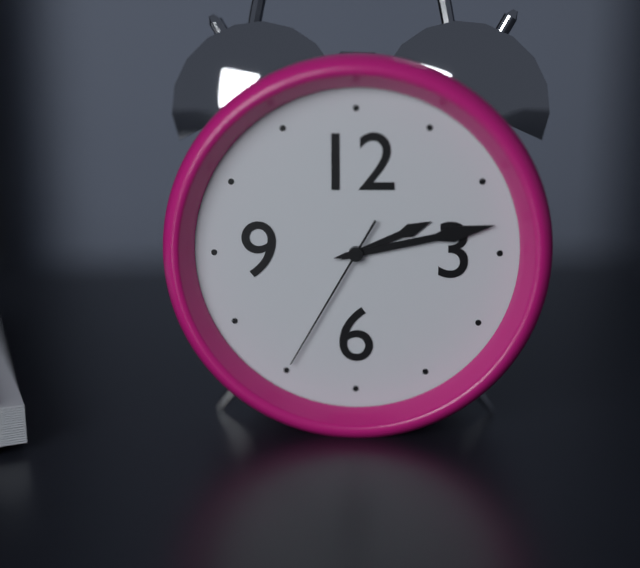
2:13:35
